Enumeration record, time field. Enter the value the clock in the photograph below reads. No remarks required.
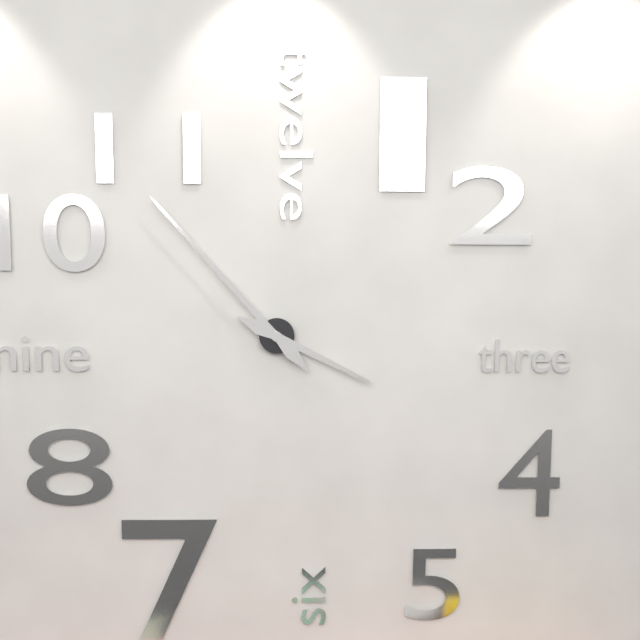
3:53
